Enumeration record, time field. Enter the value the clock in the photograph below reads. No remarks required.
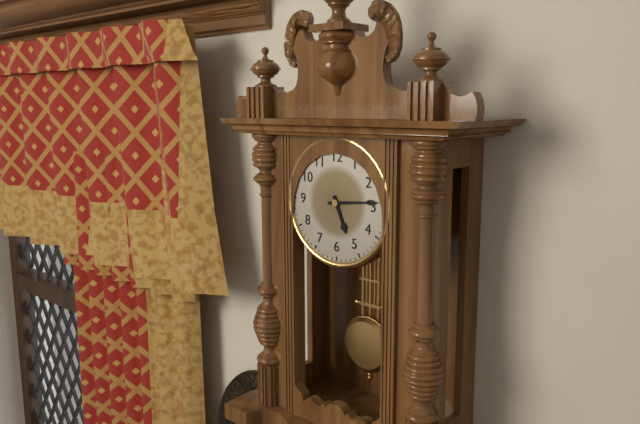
5:14
